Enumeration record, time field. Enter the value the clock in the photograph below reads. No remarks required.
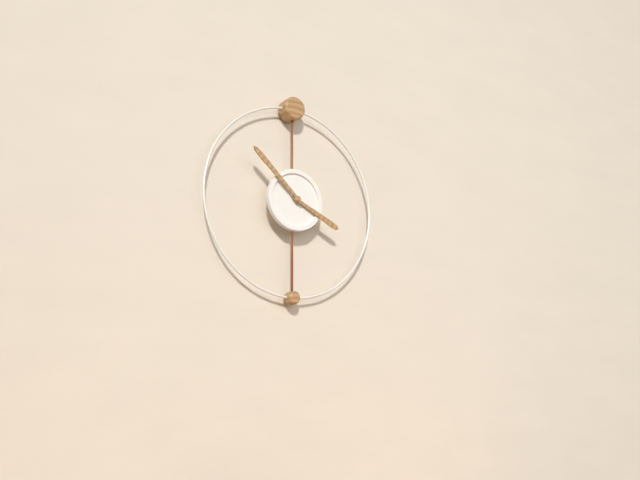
3:52
